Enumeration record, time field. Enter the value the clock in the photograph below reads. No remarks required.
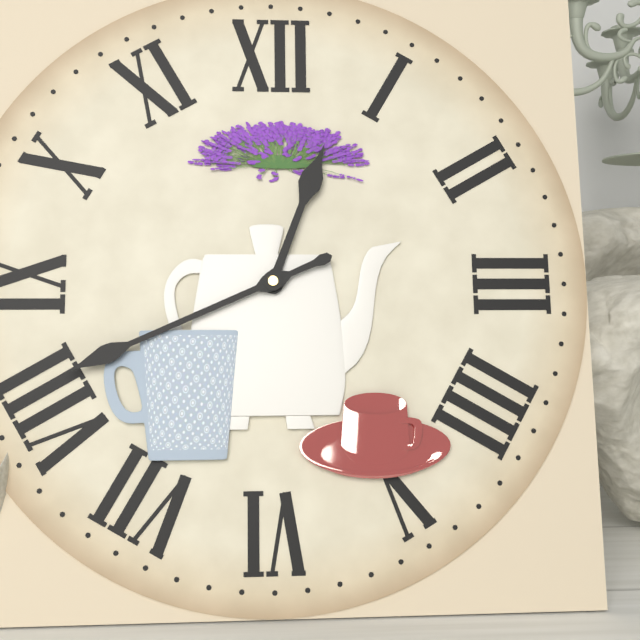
12:41
